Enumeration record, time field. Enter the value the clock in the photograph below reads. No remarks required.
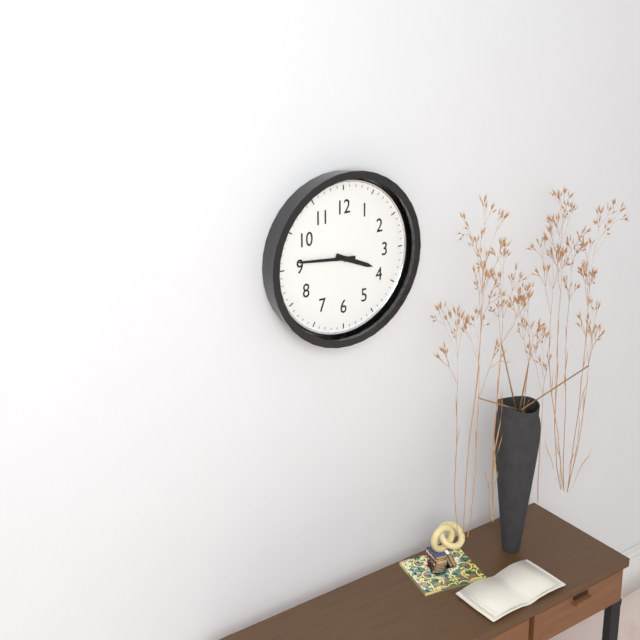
3:46
